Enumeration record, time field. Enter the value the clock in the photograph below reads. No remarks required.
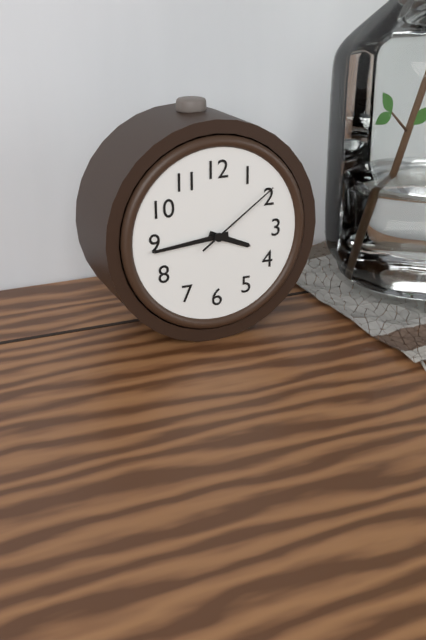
3:44:09
